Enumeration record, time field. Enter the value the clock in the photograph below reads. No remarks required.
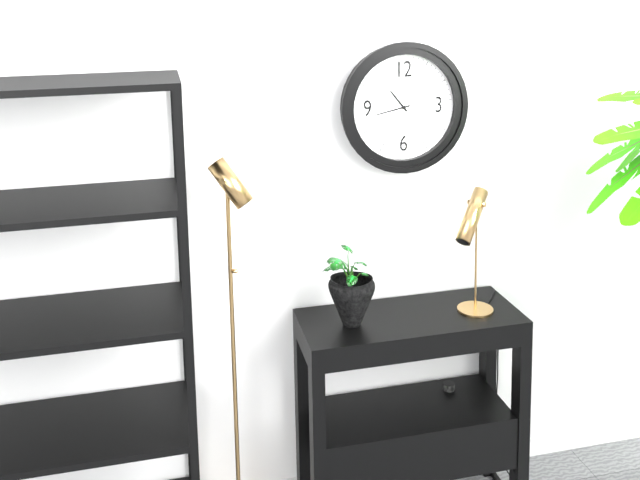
10:43
